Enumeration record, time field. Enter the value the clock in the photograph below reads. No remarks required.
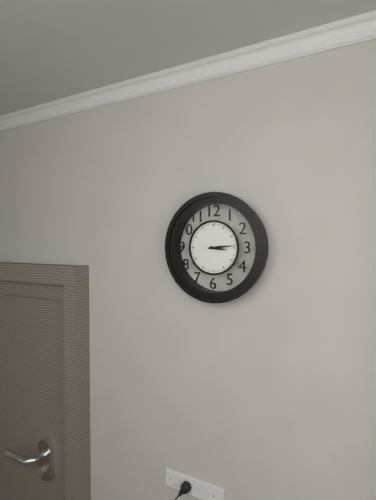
3:14
